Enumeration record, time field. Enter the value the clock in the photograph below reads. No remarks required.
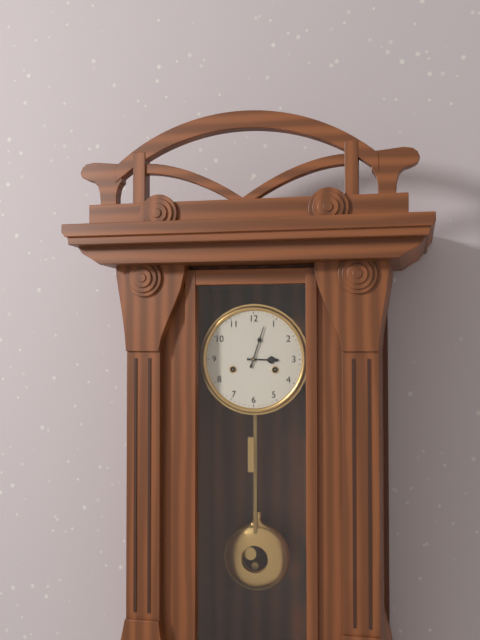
3:03
